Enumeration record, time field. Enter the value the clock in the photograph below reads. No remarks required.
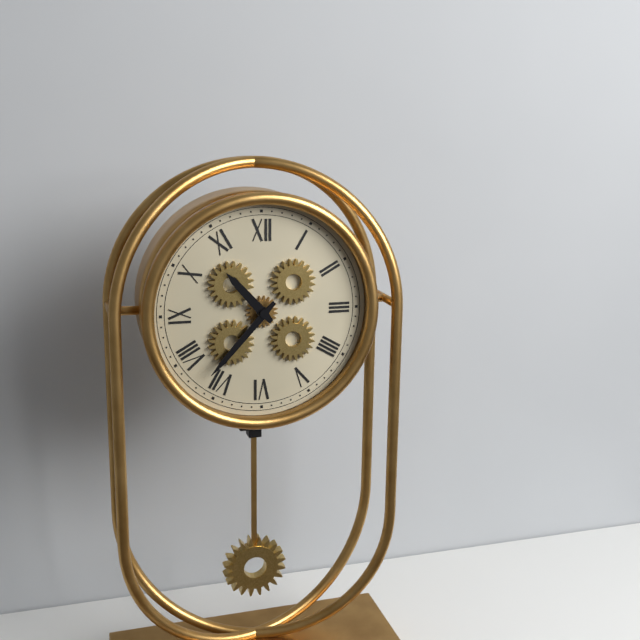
10:37
